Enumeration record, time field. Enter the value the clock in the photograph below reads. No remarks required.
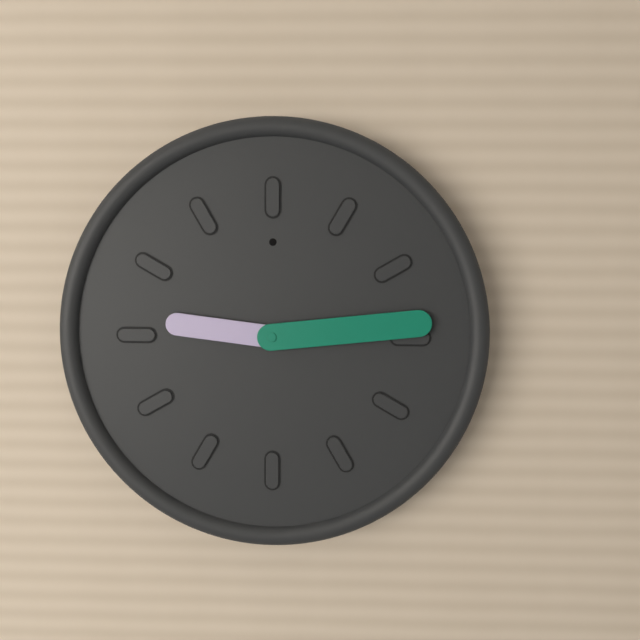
9:14
